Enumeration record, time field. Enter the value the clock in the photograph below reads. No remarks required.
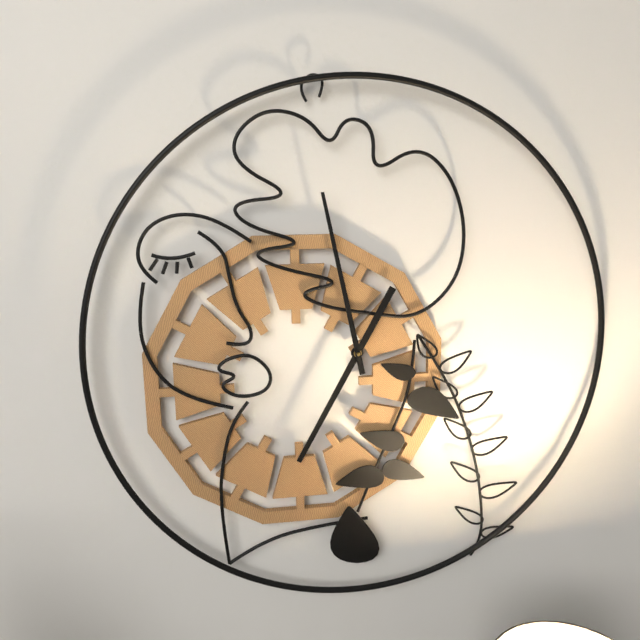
6:58
